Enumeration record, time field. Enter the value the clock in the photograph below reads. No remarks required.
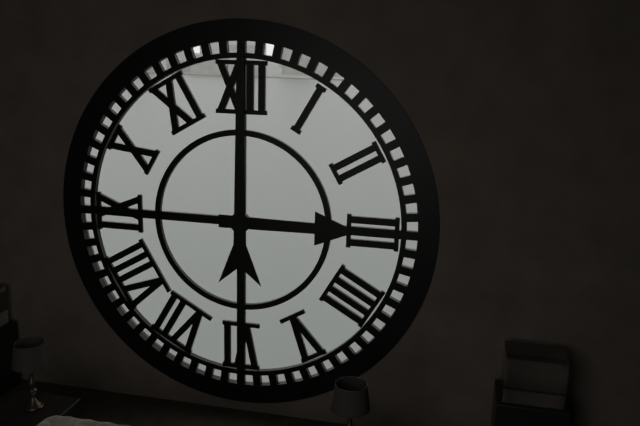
3:00
